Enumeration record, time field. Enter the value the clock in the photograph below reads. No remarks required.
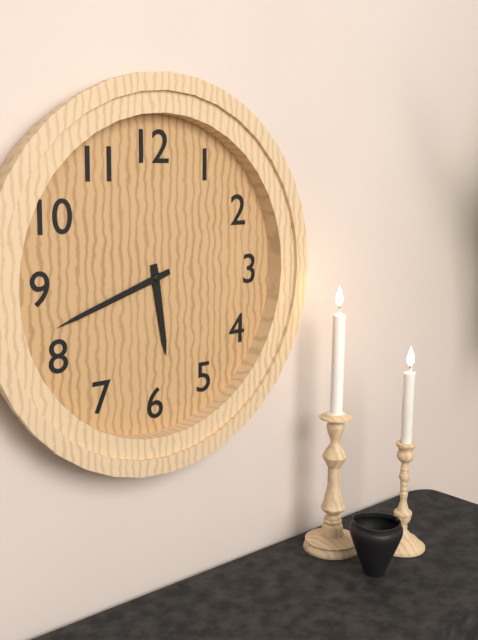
5:42
